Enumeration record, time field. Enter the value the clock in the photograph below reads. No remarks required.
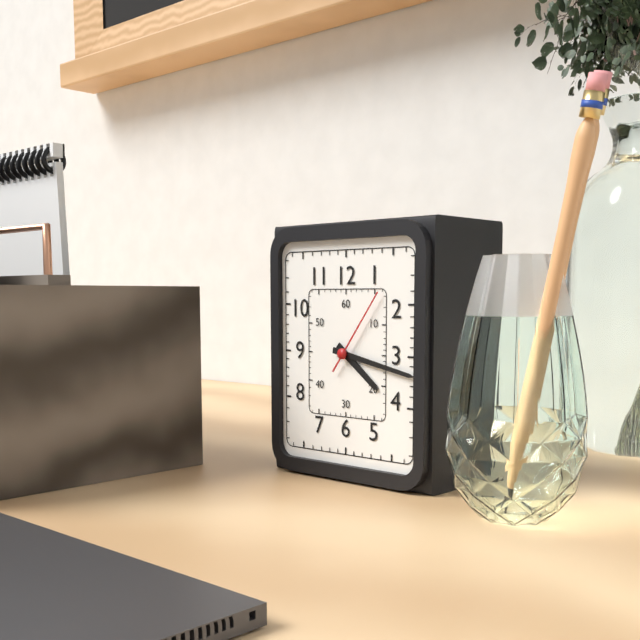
4:17:06
